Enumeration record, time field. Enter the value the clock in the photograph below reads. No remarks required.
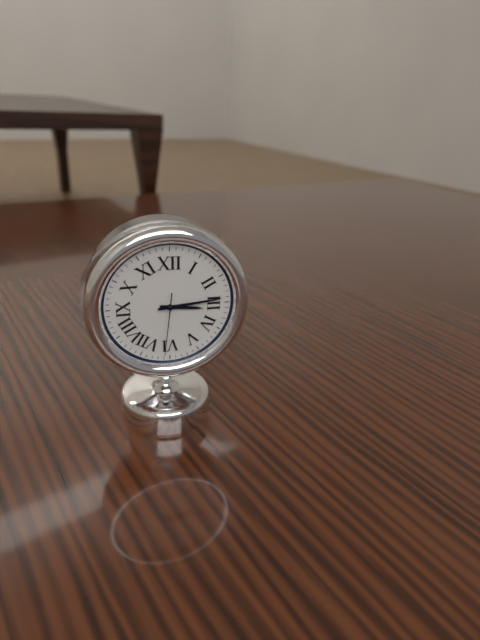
3:14:31
